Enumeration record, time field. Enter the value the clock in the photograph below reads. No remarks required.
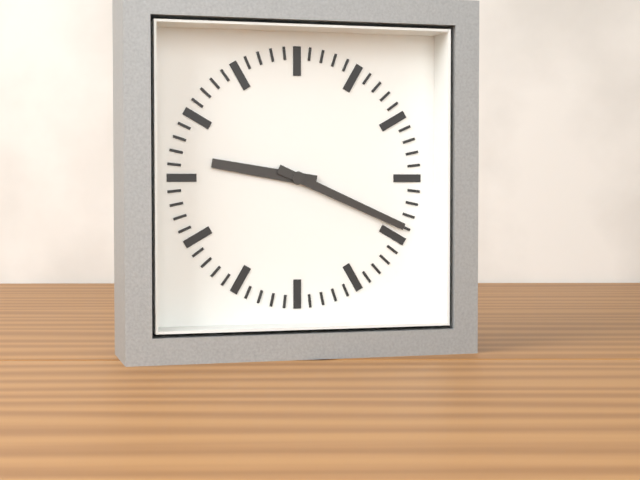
9:19
